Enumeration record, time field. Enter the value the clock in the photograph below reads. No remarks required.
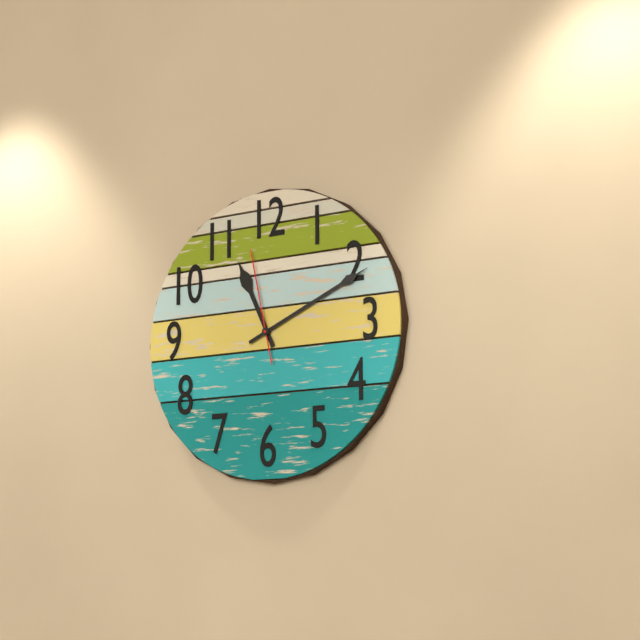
11:11:58
